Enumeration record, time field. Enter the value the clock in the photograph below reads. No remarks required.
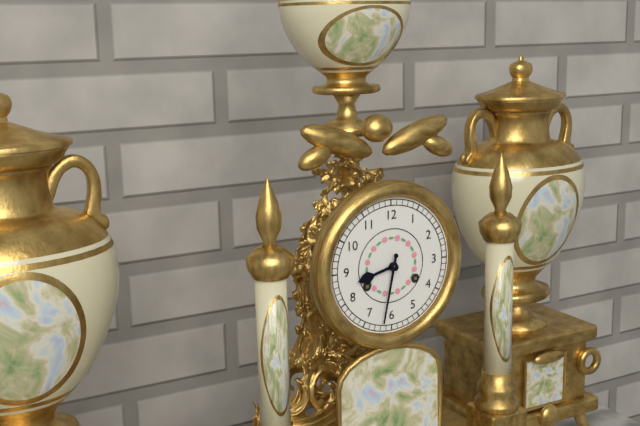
8:32
